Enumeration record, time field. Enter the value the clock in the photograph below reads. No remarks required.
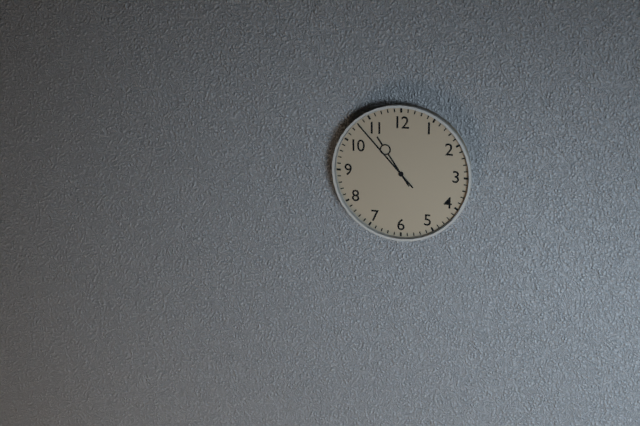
10:53
